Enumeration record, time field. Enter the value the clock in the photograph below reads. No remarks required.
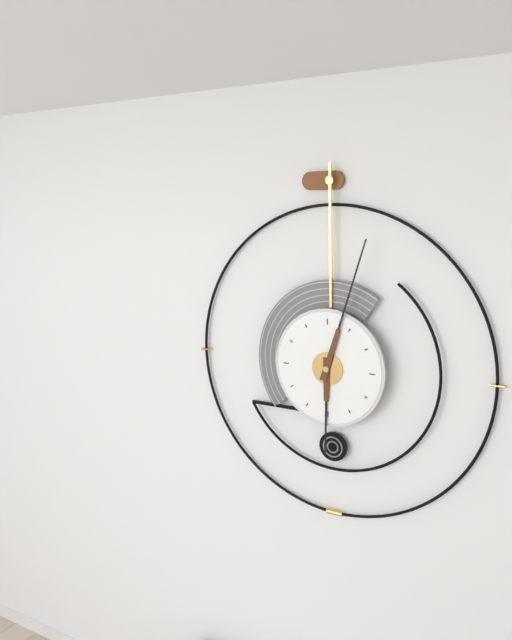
6:03
